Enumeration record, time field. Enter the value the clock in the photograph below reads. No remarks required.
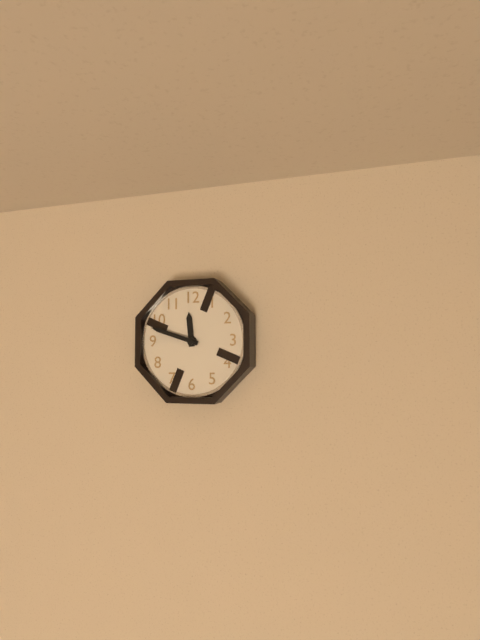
11:48
